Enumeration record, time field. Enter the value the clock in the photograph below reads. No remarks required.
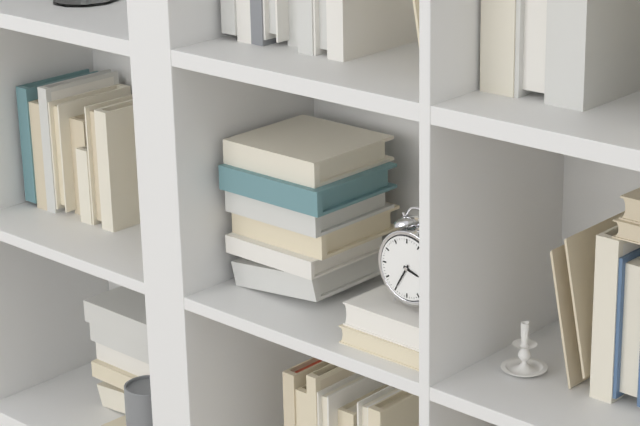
3:35
